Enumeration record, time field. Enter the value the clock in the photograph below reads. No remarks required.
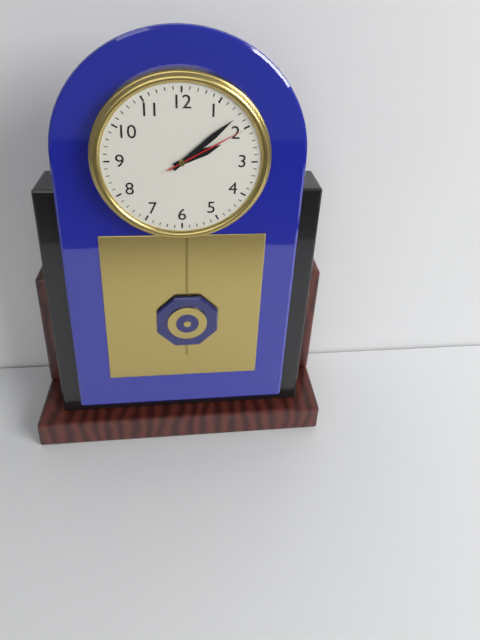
2:08:10
